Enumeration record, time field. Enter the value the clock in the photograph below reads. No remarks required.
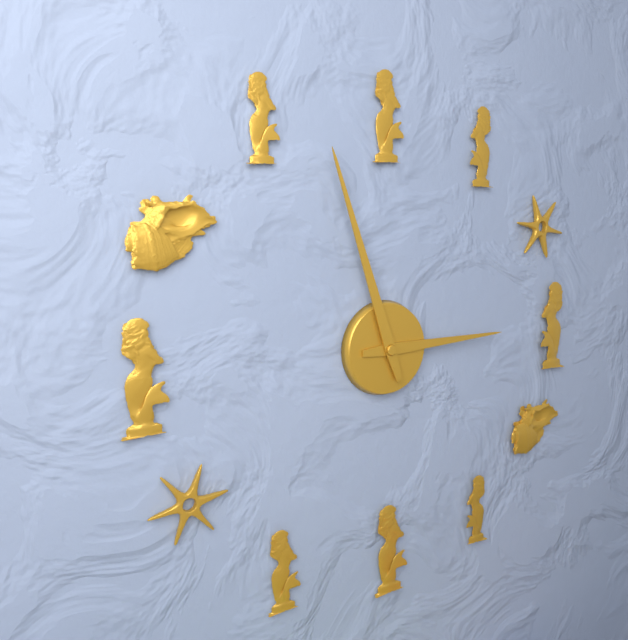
2:57
